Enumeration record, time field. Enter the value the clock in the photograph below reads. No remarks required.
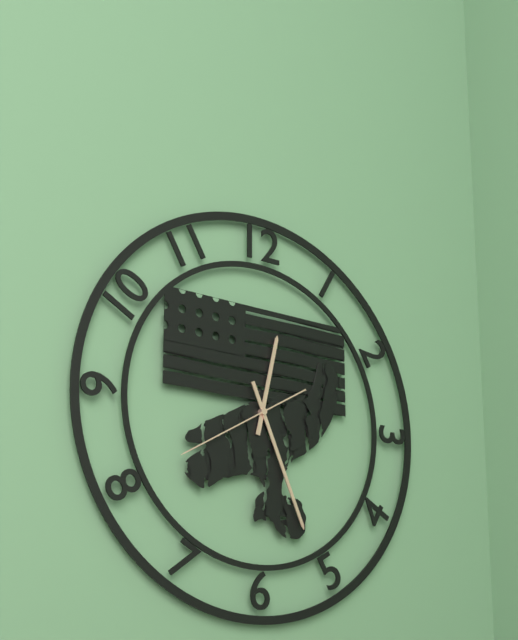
12:26:40
